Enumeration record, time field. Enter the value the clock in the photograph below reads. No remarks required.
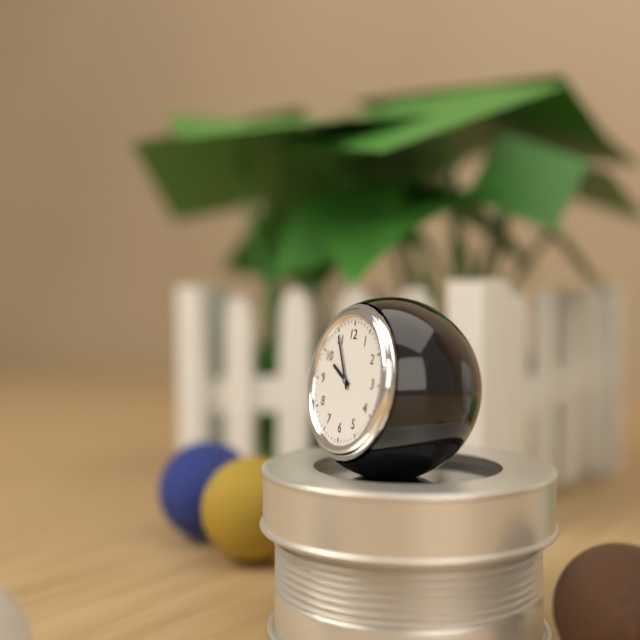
9:55
